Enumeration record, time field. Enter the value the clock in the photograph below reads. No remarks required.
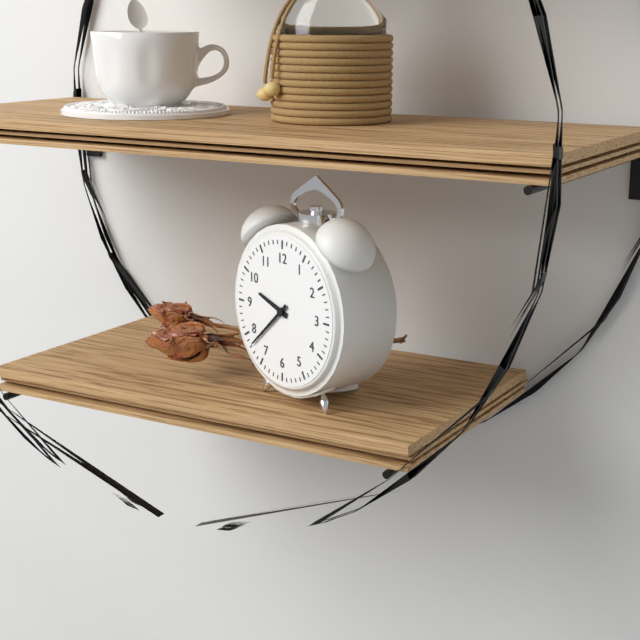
9:38
